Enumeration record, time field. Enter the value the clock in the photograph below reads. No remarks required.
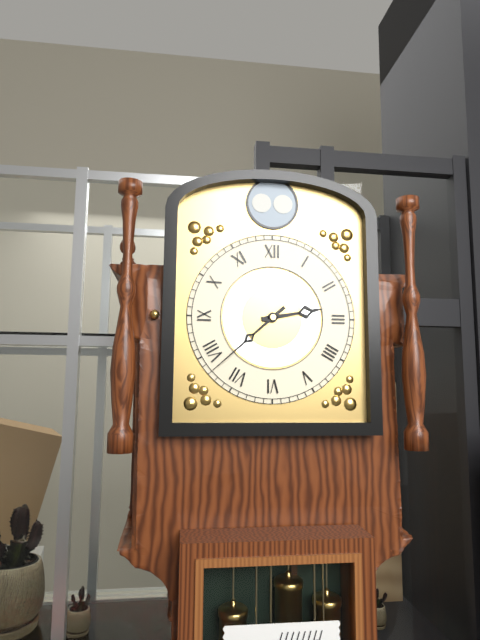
2:38
